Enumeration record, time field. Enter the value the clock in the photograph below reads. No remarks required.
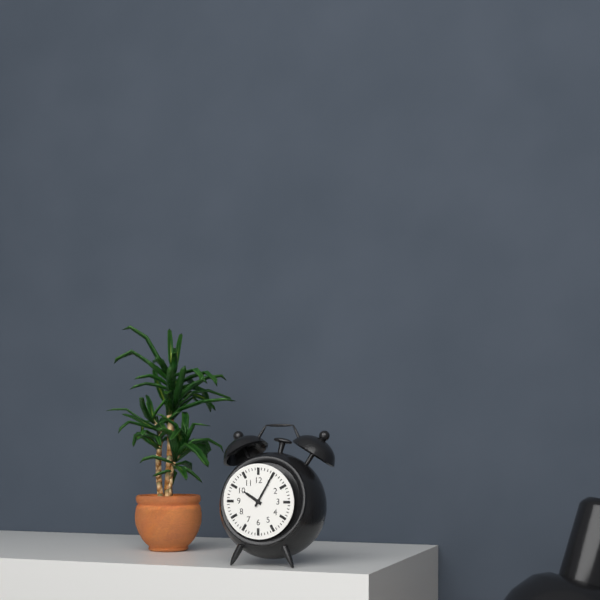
10:05
